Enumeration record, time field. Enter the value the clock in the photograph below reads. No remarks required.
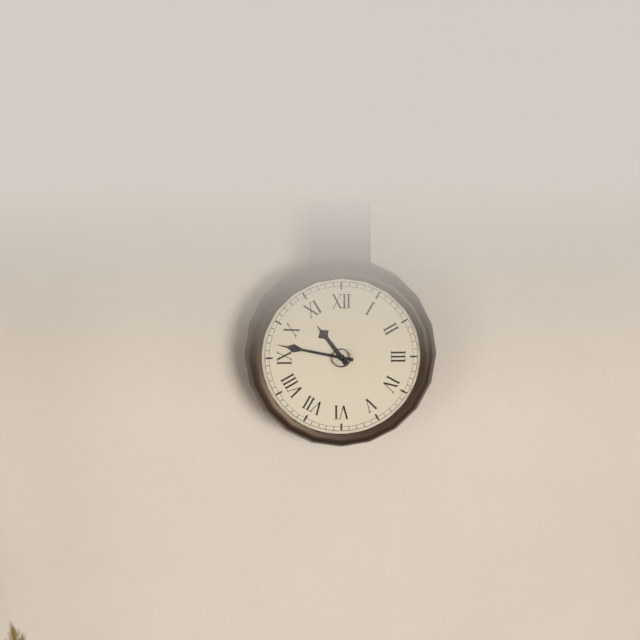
10:47
